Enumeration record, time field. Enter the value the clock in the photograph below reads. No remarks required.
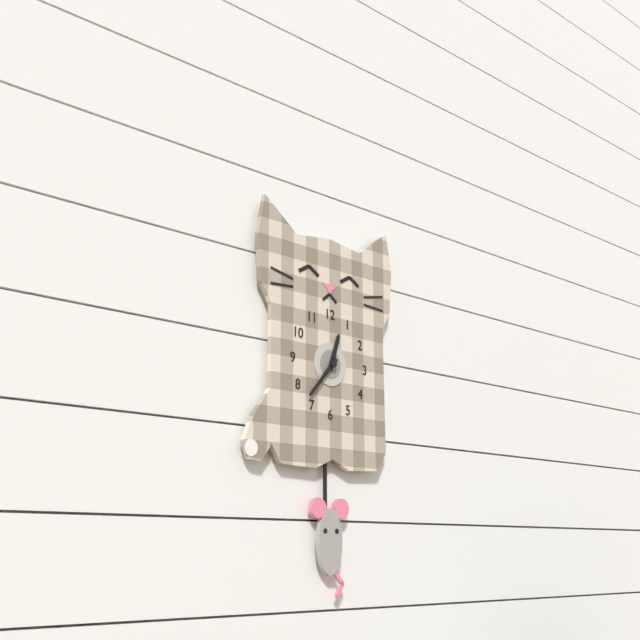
12:37
